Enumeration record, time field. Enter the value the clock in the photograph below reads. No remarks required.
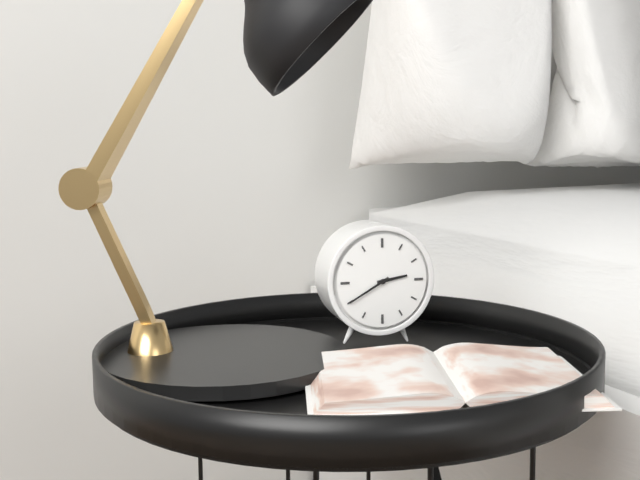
2:40
